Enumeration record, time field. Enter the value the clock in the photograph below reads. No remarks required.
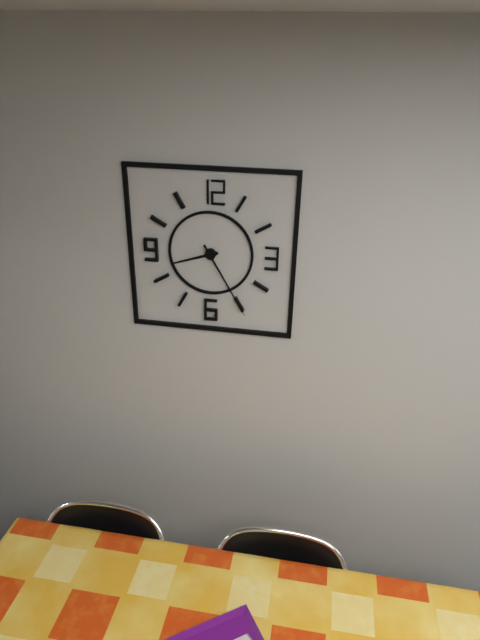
8:25
